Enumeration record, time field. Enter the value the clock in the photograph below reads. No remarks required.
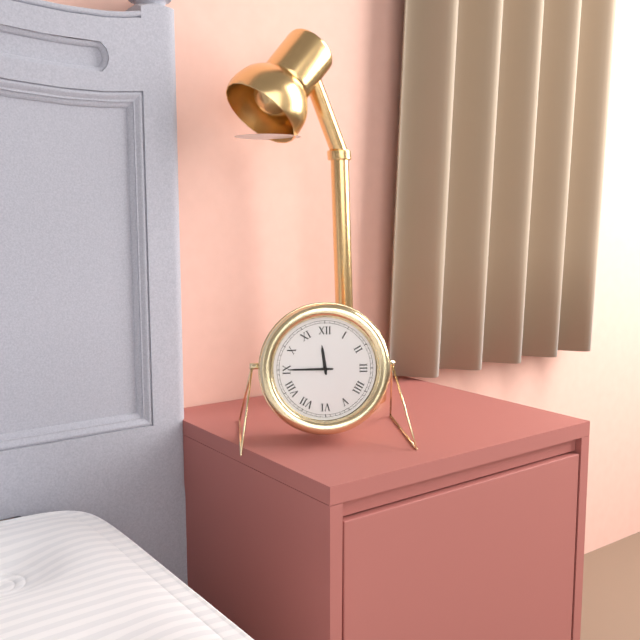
11:45
